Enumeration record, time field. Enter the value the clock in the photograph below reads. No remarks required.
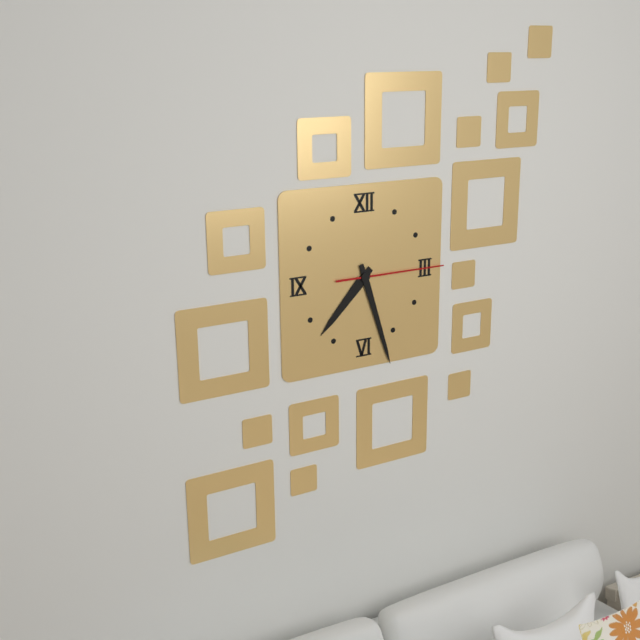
7:27:15
